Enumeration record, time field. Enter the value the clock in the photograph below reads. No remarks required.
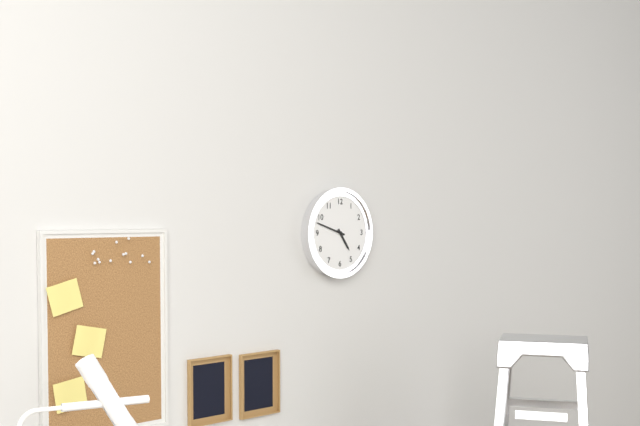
4:48
